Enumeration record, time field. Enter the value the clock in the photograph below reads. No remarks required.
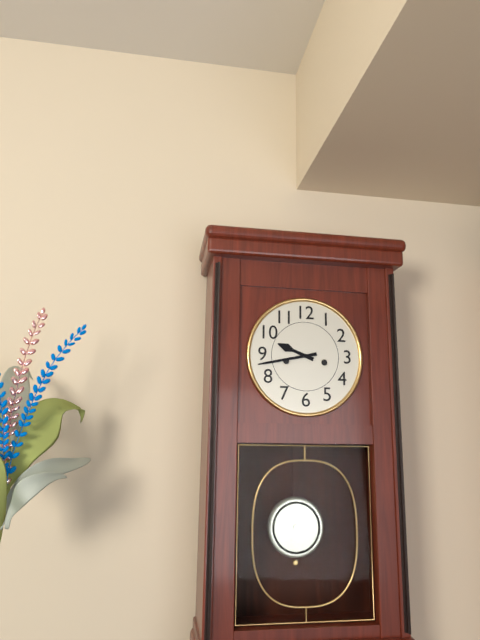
9:43
